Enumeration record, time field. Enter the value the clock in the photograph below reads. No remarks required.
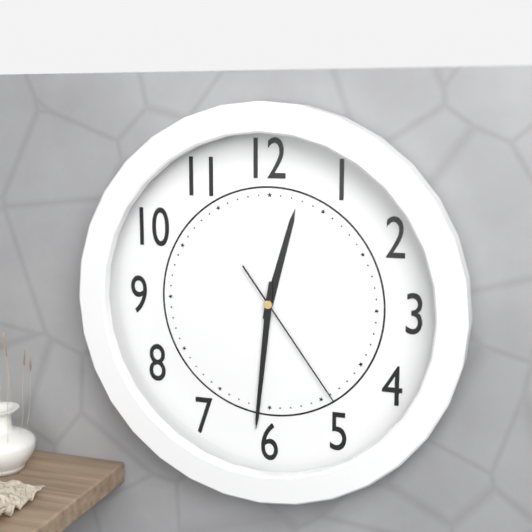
12:31:24
